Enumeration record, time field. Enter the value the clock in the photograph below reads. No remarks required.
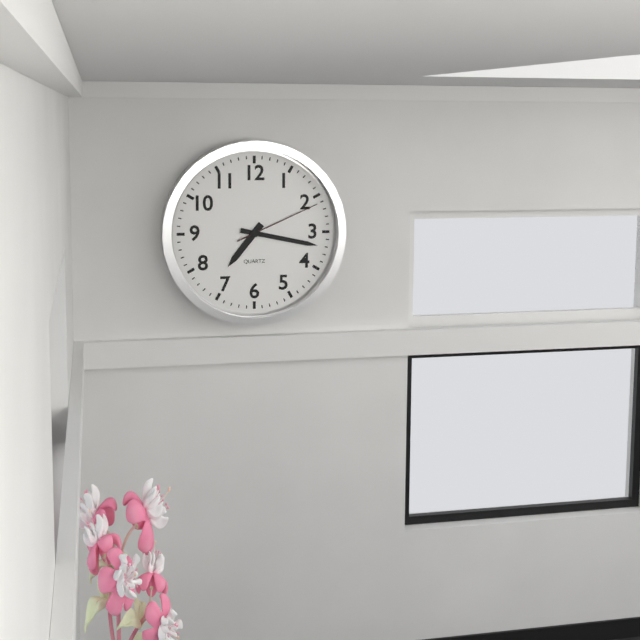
7:17:11
